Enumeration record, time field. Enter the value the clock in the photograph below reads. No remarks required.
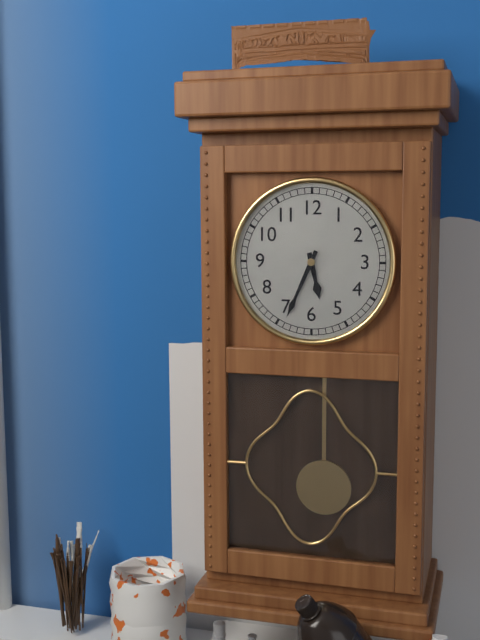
5:34
